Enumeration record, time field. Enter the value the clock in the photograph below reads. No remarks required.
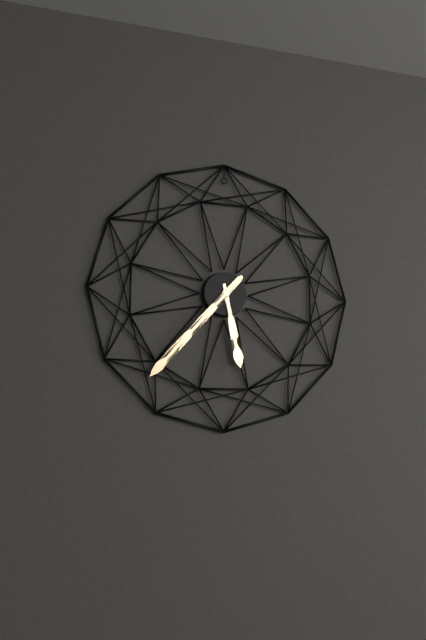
5:37
